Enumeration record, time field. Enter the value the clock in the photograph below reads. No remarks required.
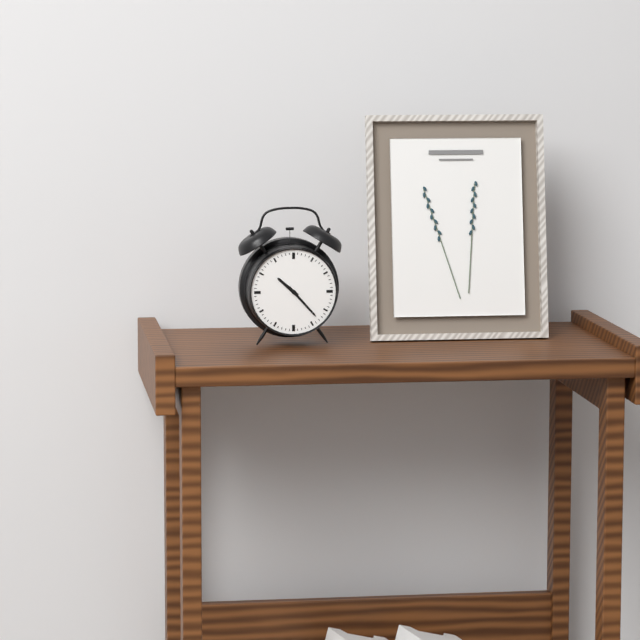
10:23
